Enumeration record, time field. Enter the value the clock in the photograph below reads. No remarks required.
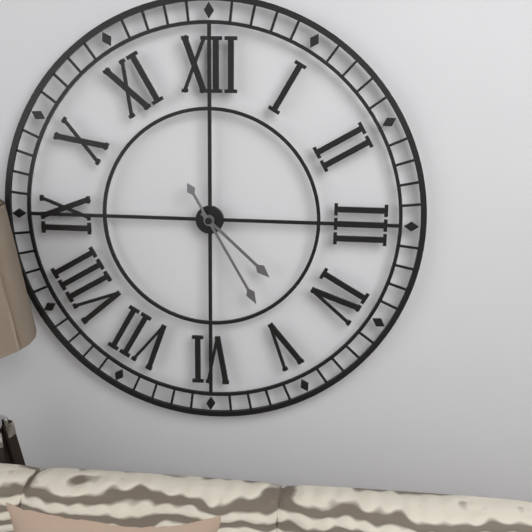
4:25
